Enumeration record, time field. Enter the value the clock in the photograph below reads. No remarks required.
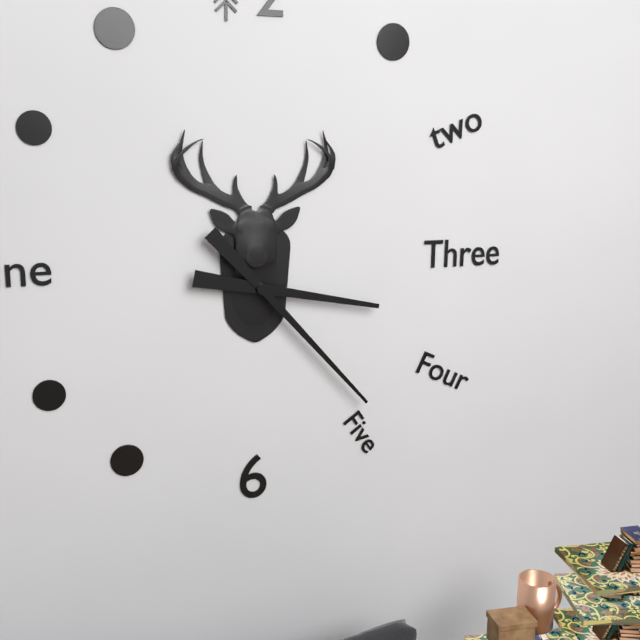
3:23
